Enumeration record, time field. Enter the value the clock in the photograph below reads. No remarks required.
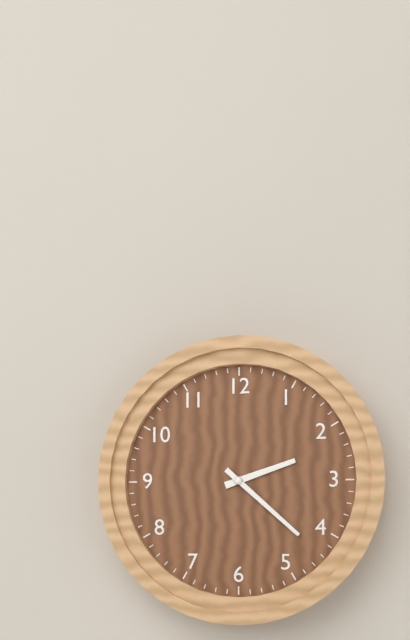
2:22
